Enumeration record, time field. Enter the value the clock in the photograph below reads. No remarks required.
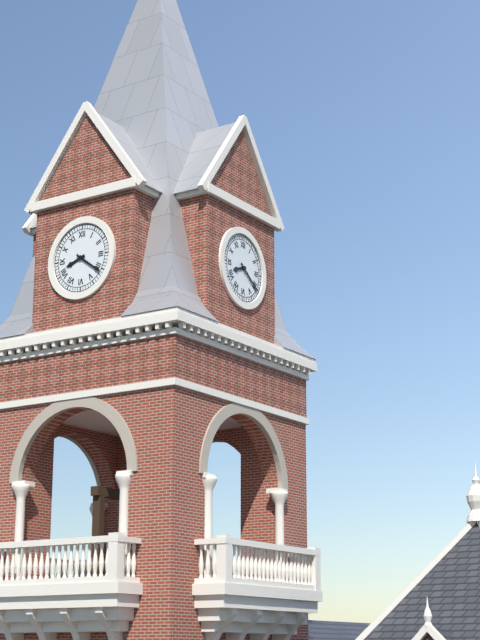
8:21
